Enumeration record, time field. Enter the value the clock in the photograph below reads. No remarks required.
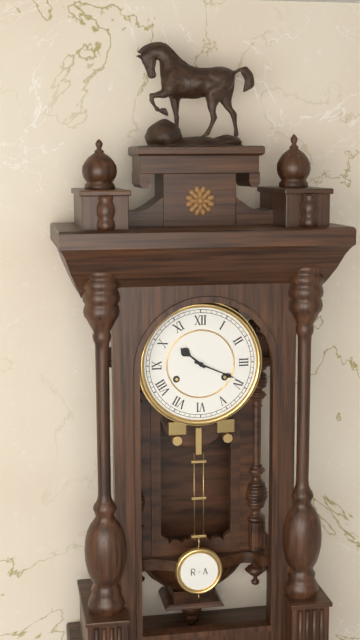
10:19
